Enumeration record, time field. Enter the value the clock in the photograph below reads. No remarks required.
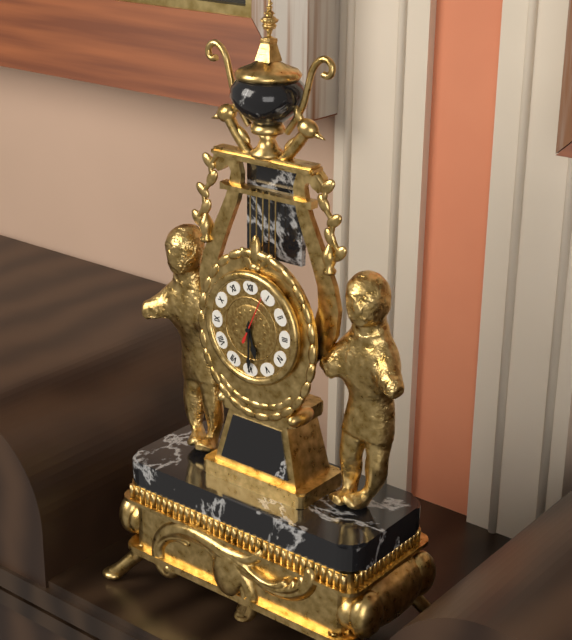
5:30
